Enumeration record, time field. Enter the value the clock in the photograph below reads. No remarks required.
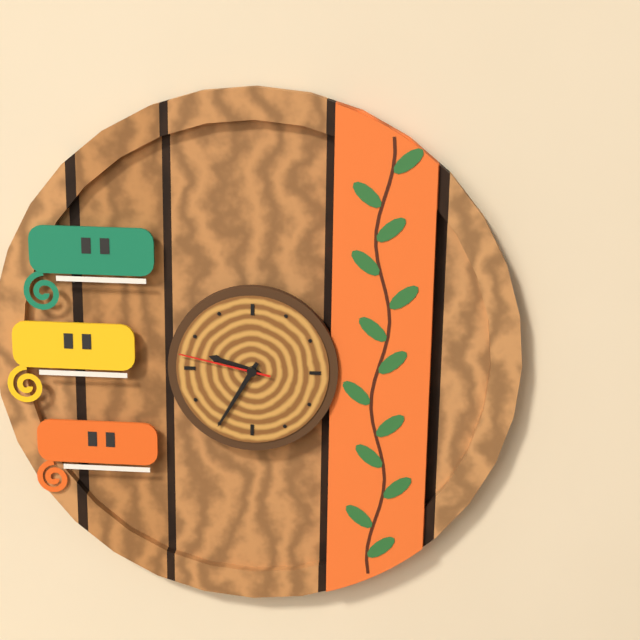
9:35:47
